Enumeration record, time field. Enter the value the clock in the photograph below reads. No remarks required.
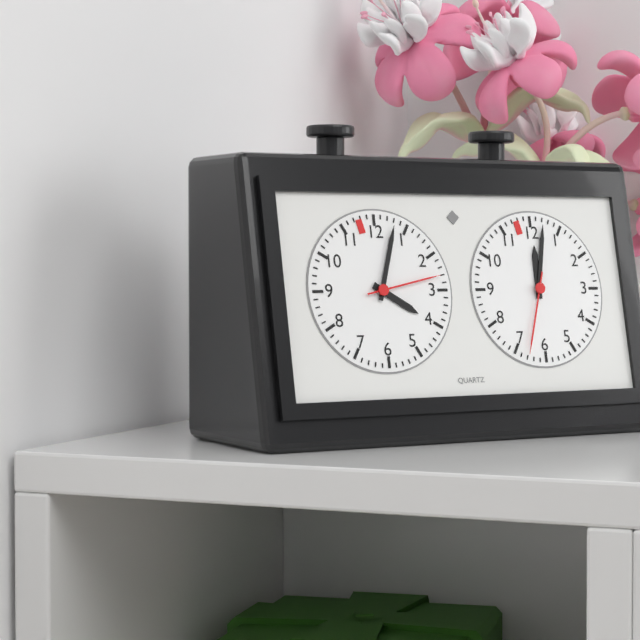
4:03:13
